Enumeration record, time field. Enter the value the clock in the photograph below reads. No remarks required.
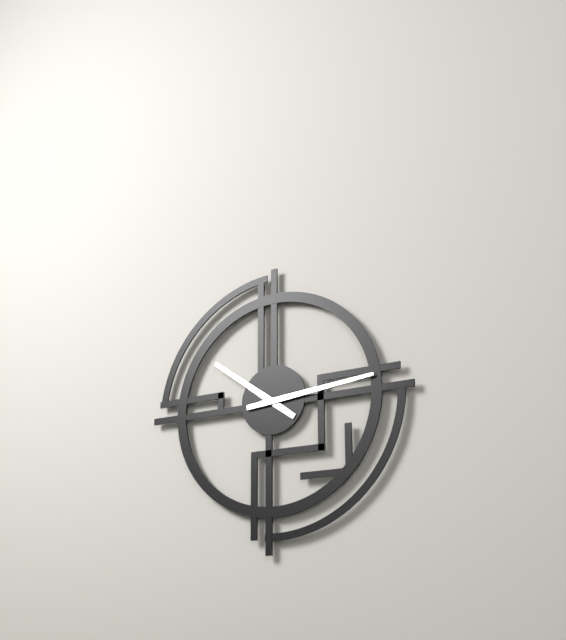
10:14
